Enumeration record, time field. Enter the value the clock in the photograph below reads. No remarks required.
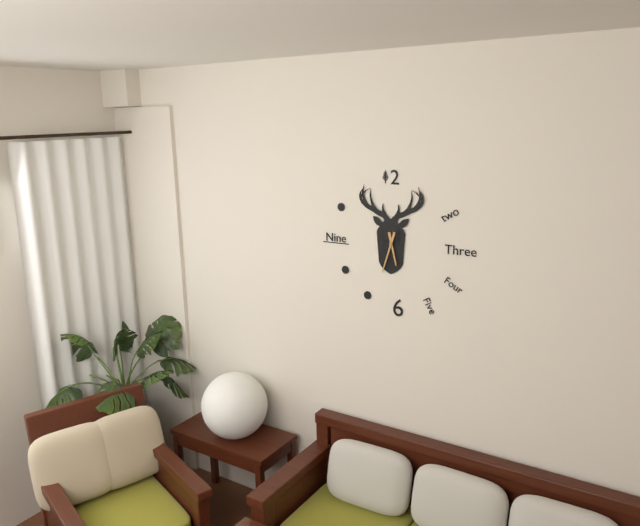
5:33
